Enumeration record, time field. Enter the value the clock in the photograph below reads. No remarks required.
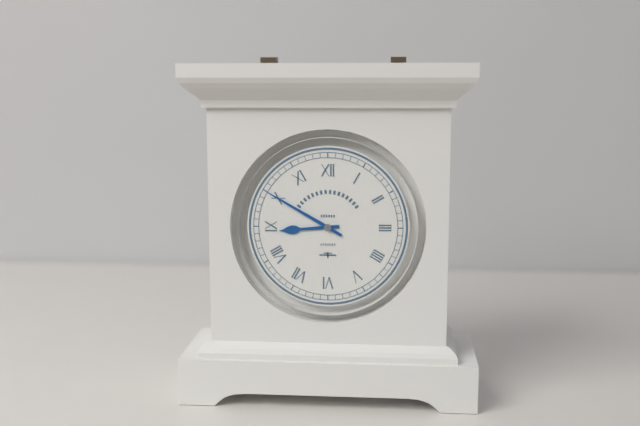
8:50
